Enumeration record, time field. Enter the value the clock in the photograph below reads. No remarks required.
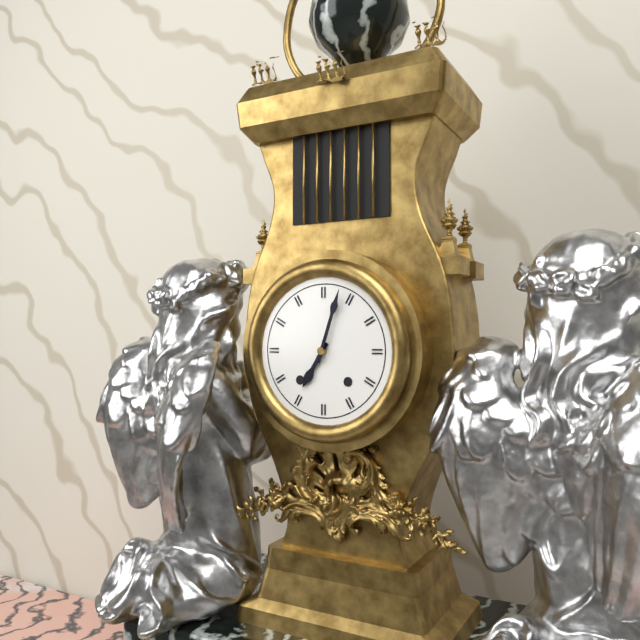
7:03
